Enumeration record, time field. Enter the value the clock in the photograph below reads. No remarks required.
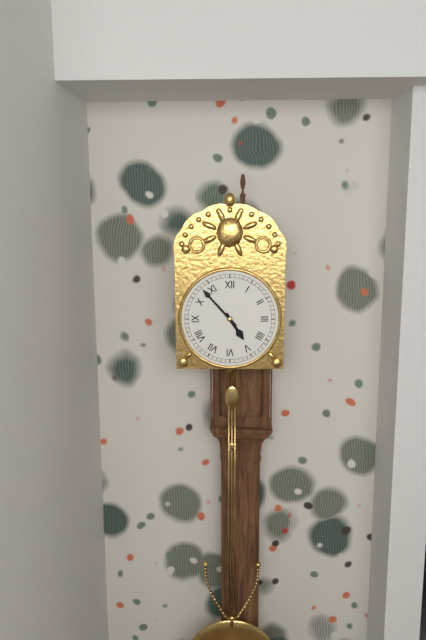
4:53
